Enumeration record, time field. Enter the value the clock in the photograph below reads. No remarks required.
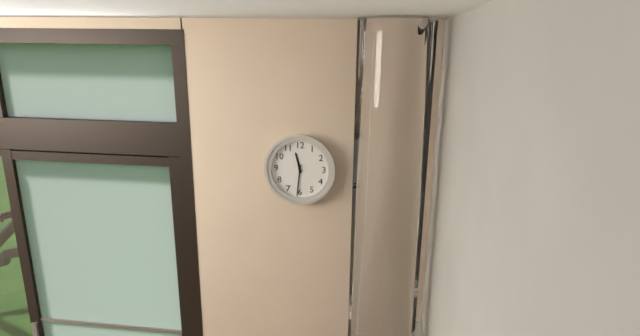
11:31
